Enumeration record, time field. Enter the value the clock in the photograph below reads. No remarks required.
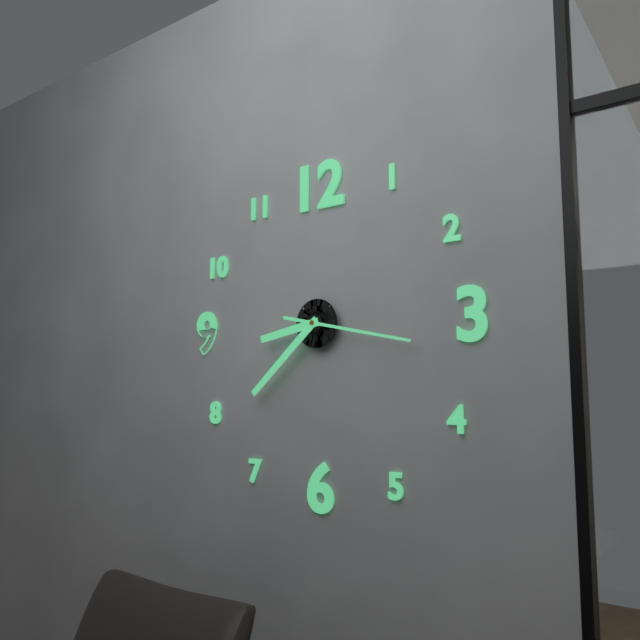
8:38:17
